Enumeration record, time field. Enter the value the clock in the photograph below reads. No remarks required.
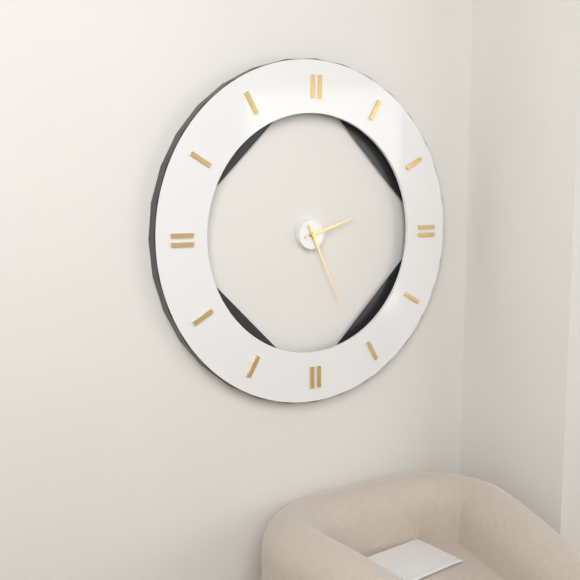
2:26
